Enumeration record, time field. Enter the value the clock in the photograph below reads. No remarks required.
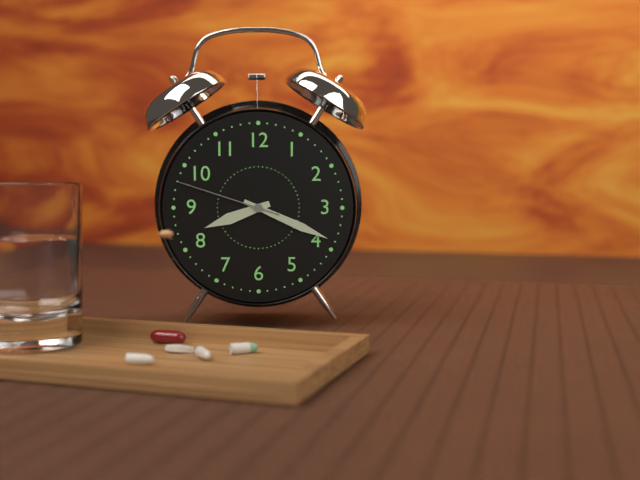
8:19:48
